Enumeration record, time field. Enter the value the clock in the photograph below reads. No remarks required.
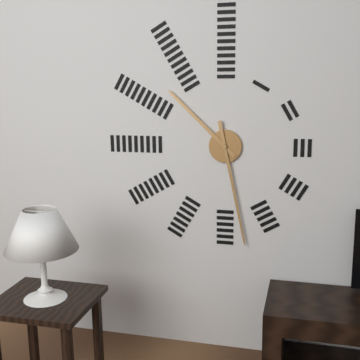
10:28
